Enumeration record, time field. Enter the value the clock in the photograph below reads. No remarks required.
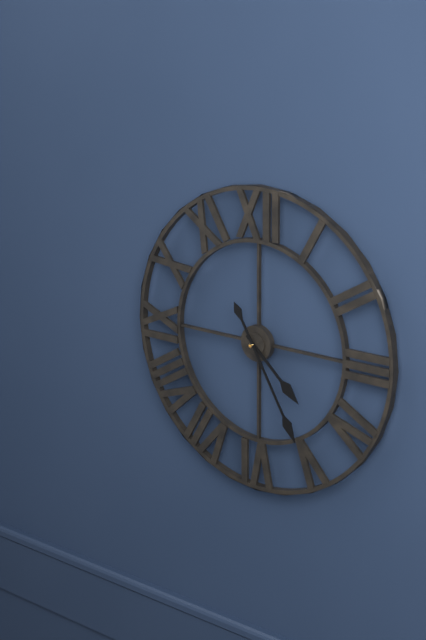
4:25
